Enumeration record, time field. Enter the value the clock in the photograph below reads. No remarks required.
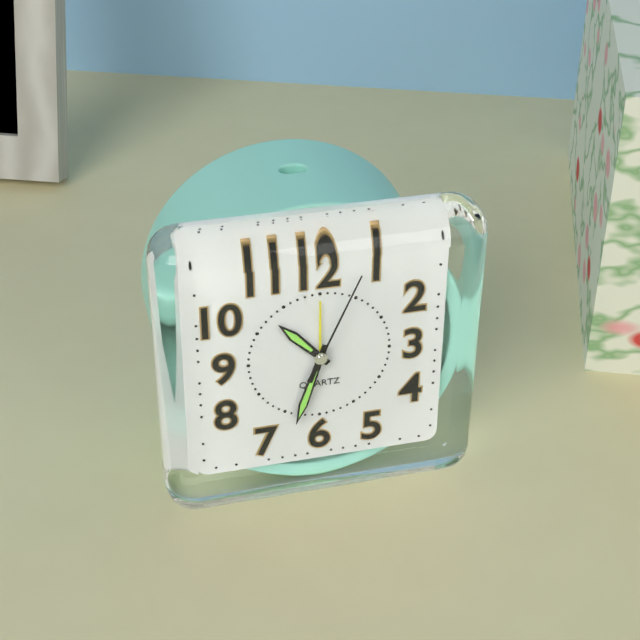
10:33:04
